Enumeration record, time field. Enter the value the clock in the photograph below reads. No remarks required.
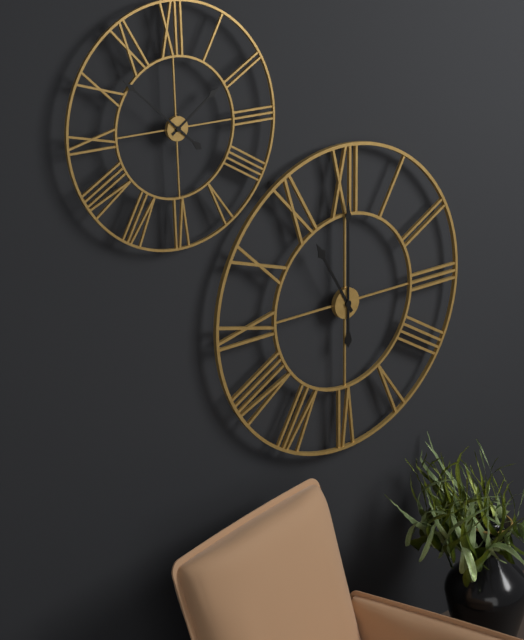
11:00
